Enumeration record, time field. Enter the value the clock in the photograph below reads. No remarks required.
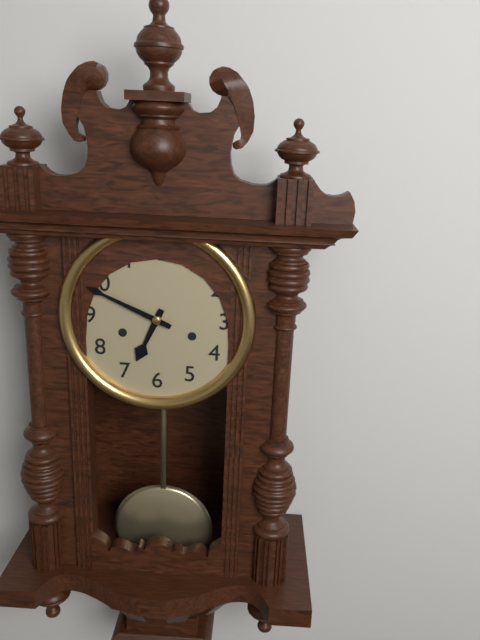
6:49
